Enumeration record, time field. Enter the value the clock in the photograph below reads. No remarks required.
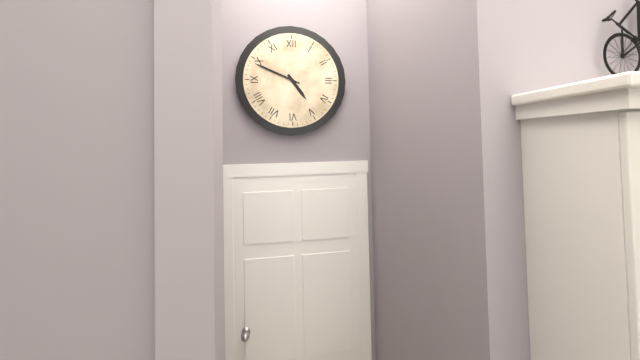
4:49
